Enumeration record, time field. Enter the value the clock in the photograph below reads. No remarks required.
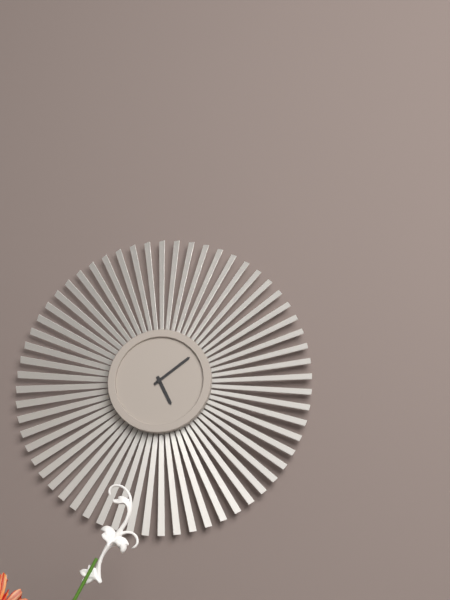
5:09
